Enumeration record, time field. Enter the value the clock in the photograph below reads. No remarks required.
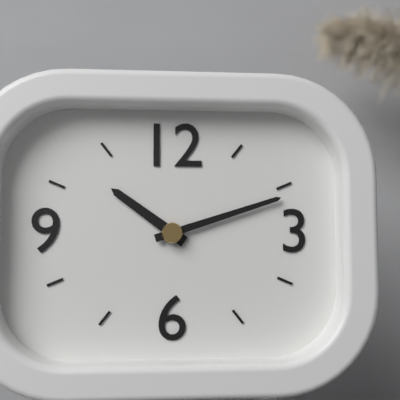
10:12
